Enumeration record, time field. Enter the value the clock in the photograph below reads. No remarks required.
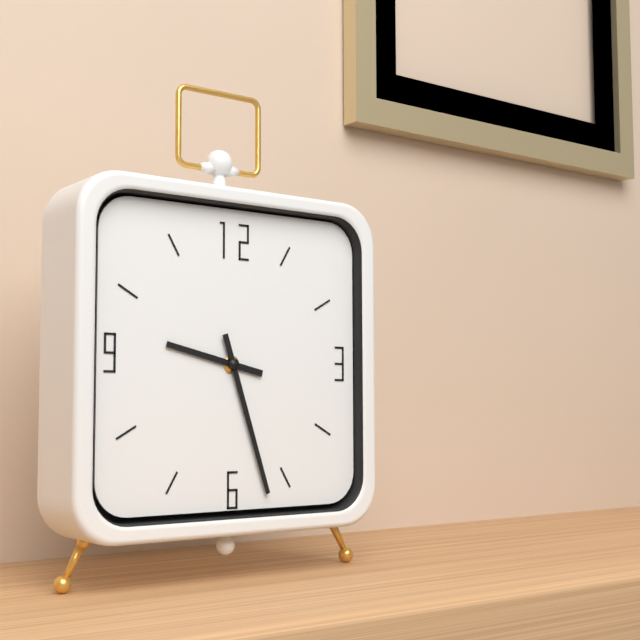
9:27
